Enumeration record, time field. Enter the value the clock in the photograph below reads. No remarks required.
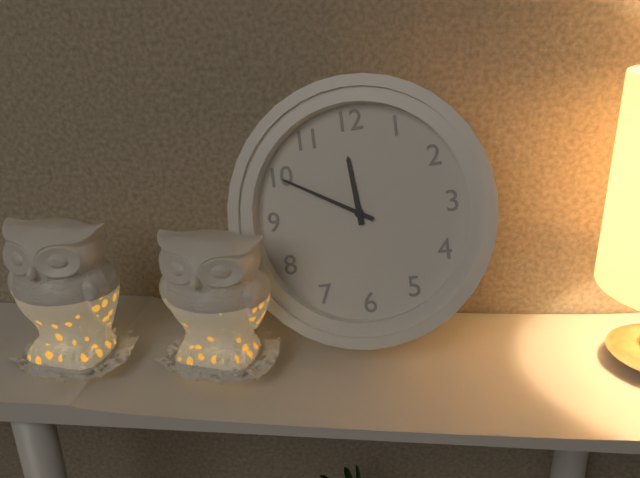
11:50
